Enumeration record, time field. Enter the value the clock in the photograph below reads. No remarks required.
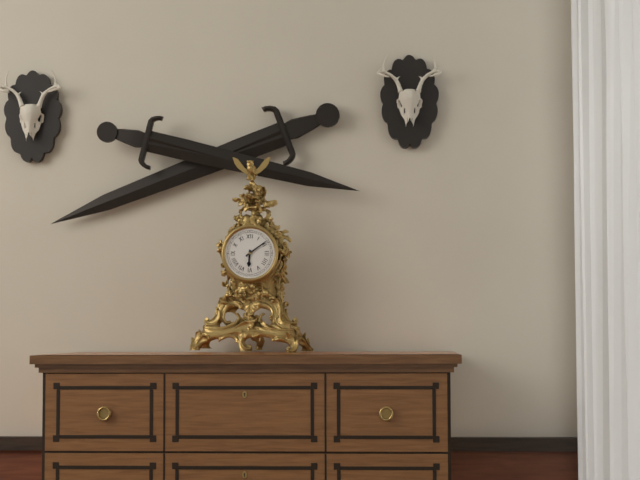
6:09
